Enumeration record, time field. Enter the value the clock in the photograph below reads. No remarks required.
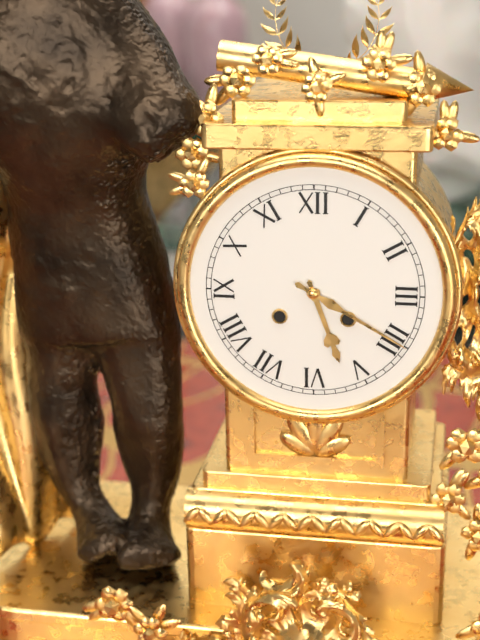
5:20
